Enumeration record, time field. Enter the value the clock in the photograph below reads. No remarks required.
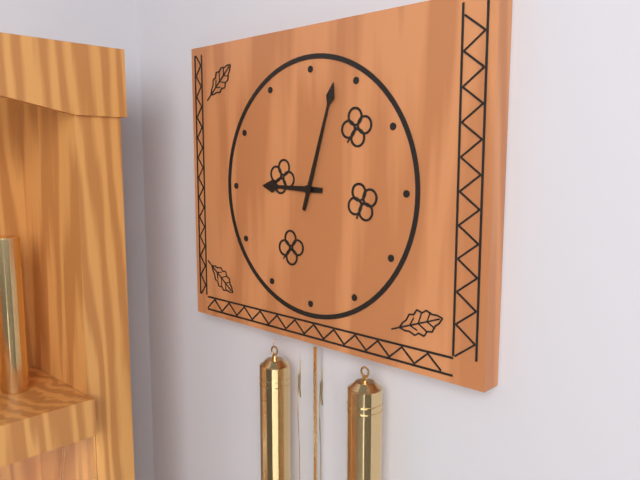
9:03
